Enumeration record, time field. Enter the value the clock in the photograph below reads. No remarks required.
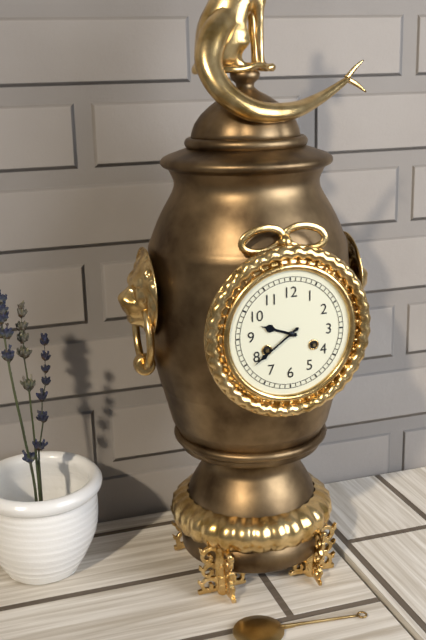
9:39
